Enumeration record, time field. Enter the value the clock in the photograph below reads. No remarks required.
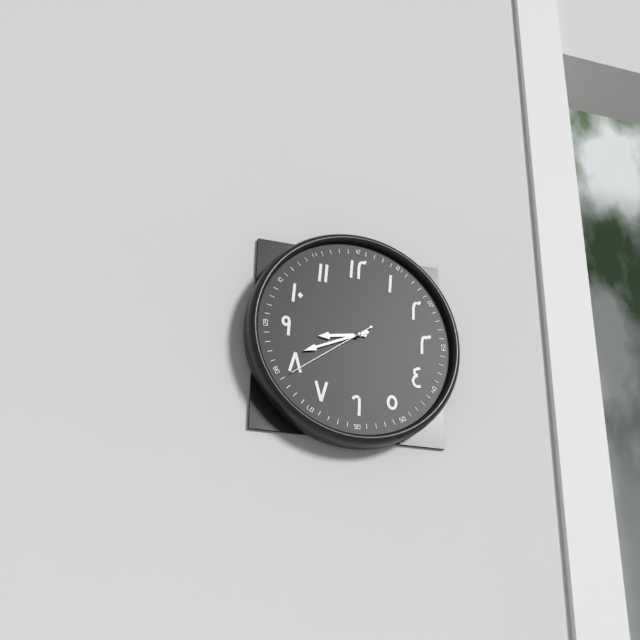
8:41:39
